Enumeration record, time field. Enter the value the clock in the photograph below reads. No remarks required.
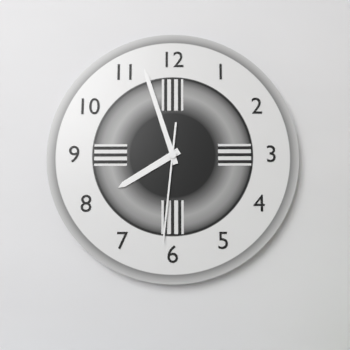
7:57:31
